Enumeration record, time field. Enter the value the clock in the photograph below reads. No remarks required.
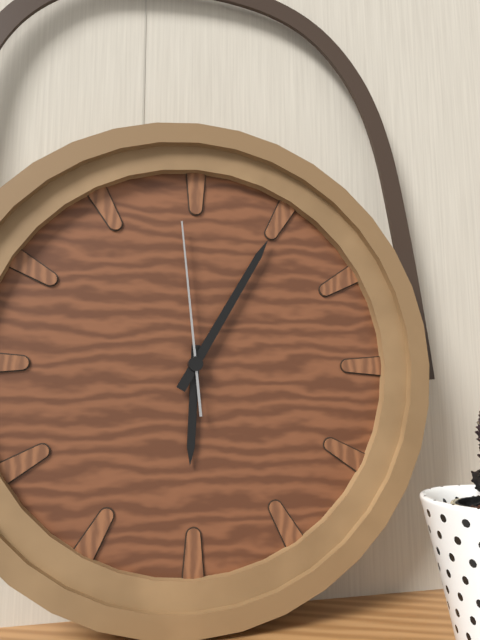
6:05:59
